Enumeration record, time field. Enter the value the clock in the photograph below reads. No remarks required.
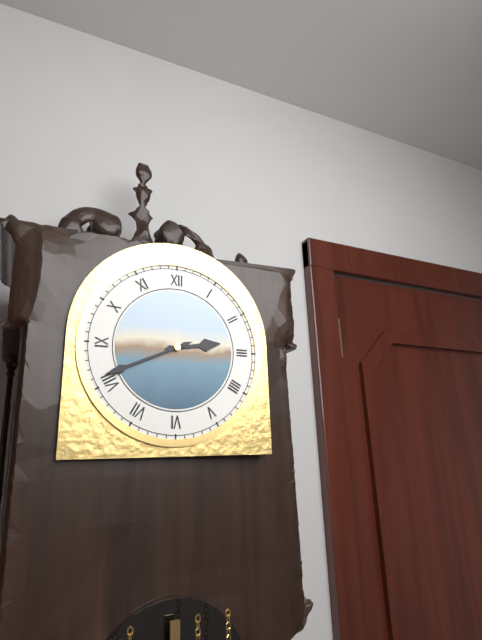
2:41
